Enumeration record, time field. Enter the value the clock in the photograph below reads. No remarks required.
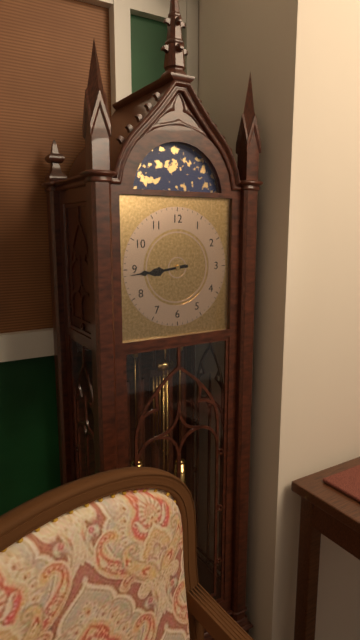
8:44
